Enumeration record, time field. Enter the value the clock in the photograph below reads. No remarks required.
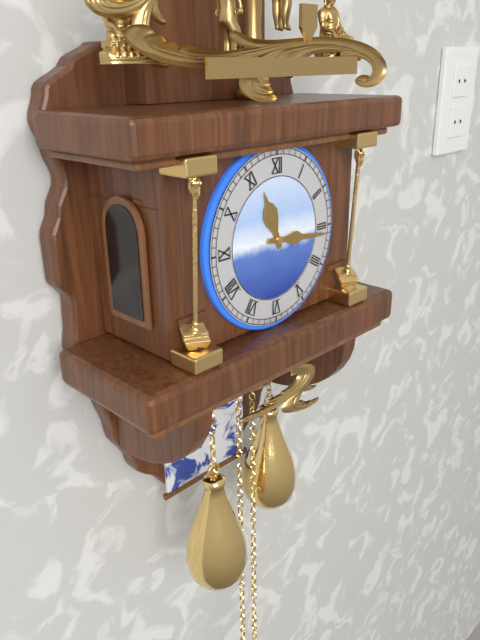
11:16
